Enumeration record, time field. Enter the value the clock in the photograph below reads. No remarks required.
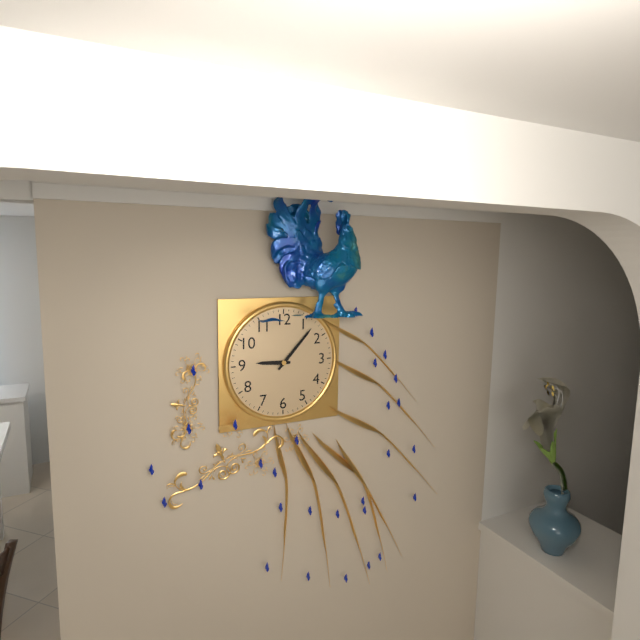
9:07
